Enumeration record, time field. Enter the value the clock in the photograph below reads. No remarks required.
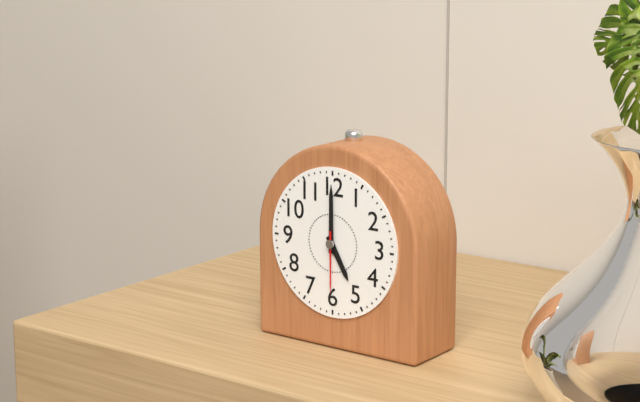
5:00:30
